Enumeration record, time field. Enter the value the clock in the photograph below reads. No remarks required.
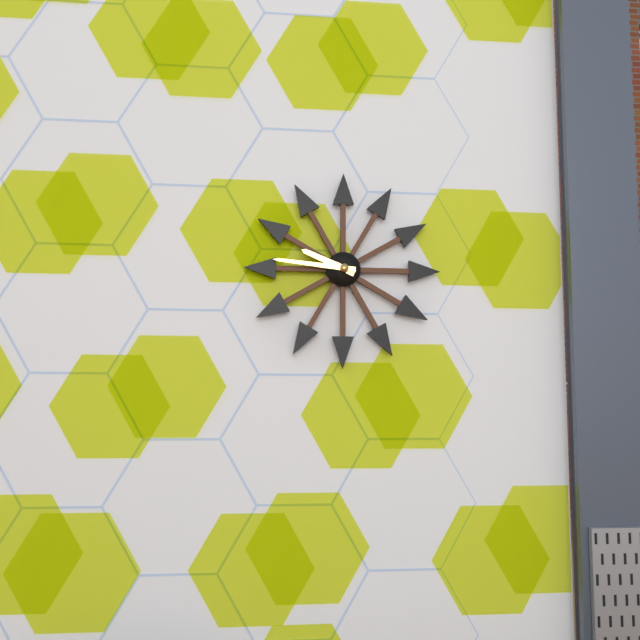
9:46
